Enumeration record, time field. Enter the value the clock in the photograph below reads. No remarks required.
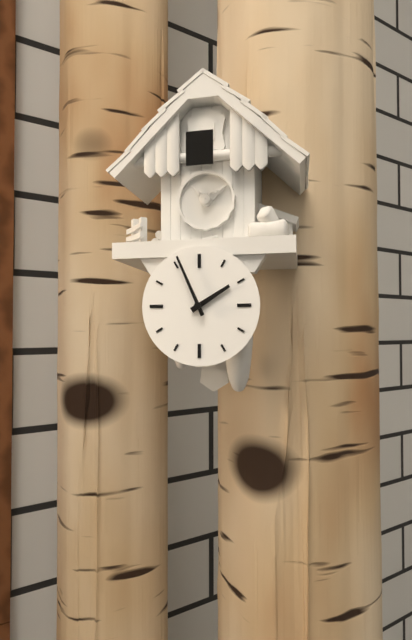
1:56
